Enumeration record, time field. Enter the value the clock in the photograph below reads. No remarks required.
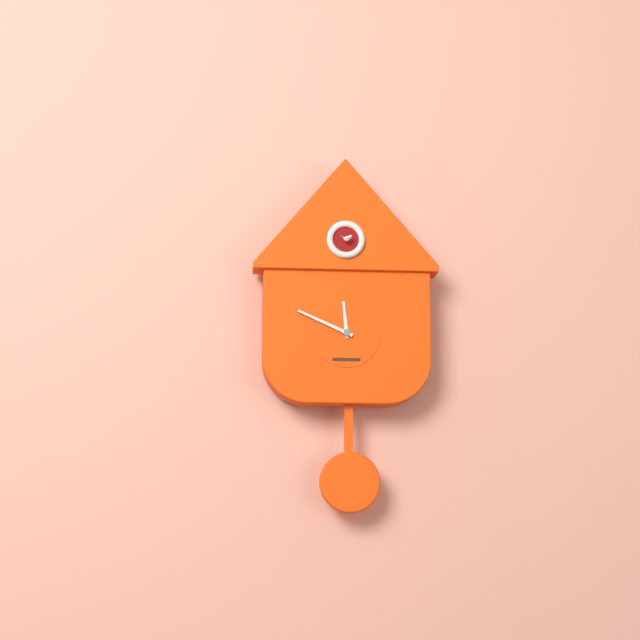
11:49
